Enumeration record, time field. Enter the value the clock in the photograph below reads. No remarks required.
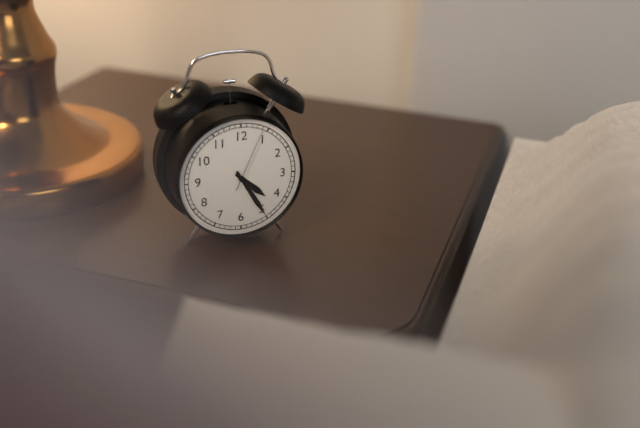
4:25:04
